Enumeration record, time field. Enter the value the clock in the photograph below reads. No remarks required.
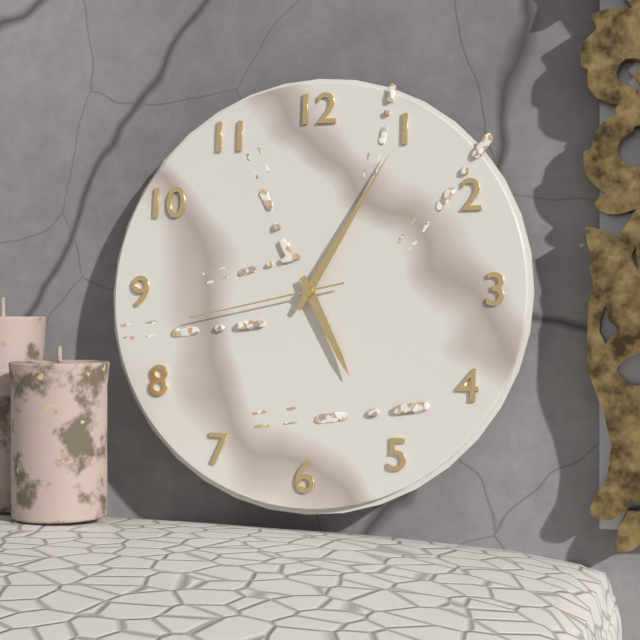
5:05:43
